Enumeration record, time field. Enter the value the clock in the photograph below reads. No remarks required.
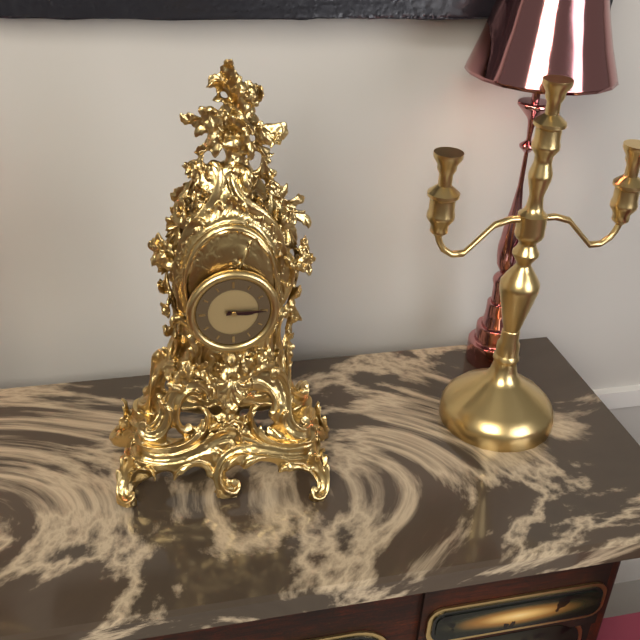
3:15
